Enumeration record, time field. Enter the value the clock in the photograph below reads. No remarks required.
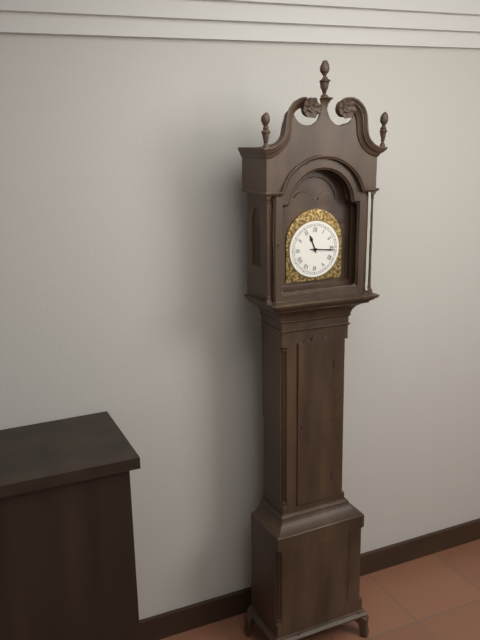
11:16
